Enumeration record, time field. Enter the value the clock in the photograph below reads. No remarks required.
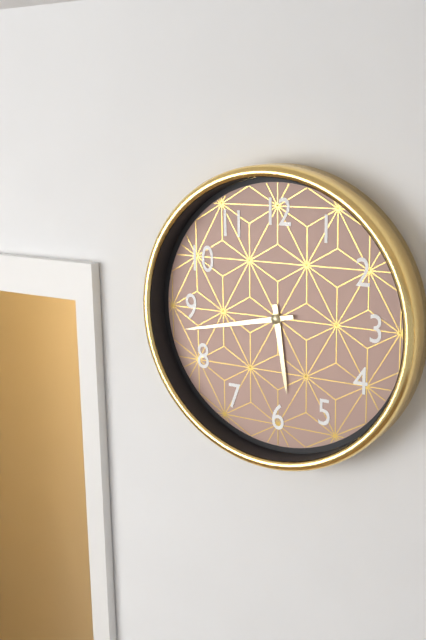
5:43
